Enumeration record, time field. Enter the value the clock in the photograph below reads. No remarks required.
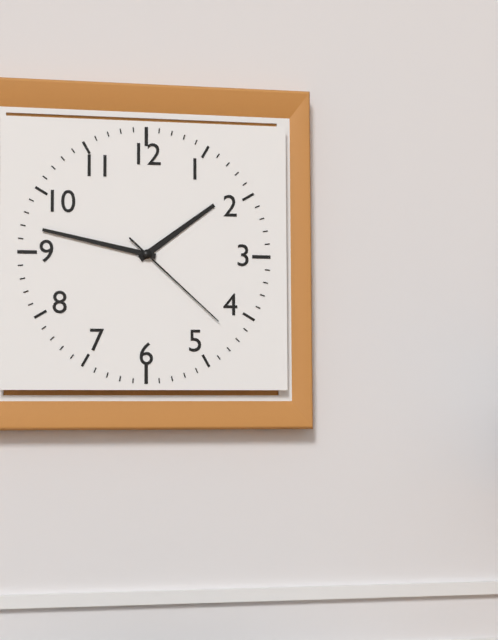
1:47:22
